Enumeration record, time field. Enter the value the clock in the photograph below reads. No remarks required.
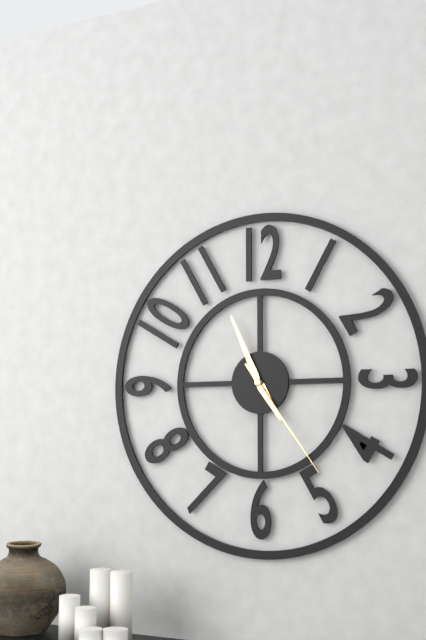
4:56:24
